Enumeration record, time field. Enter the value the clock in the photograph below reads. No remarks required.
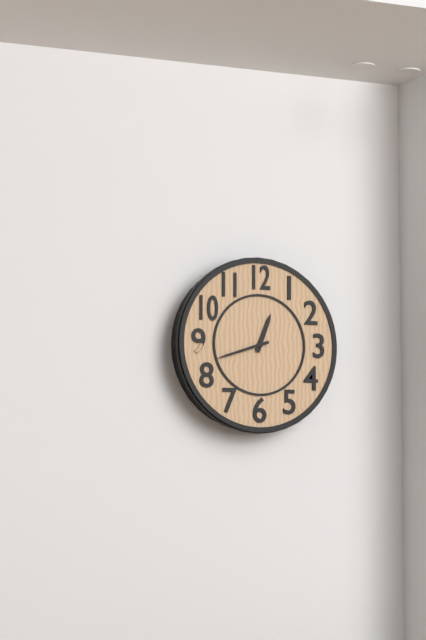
12:42
